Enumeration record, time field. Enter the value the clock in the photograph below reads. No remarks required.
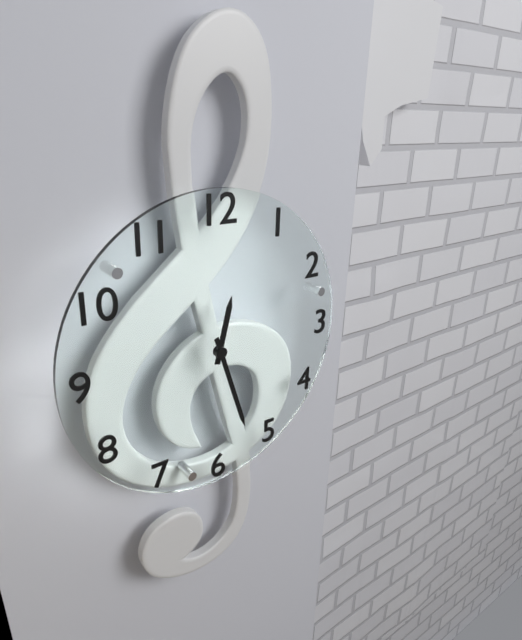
12:27
